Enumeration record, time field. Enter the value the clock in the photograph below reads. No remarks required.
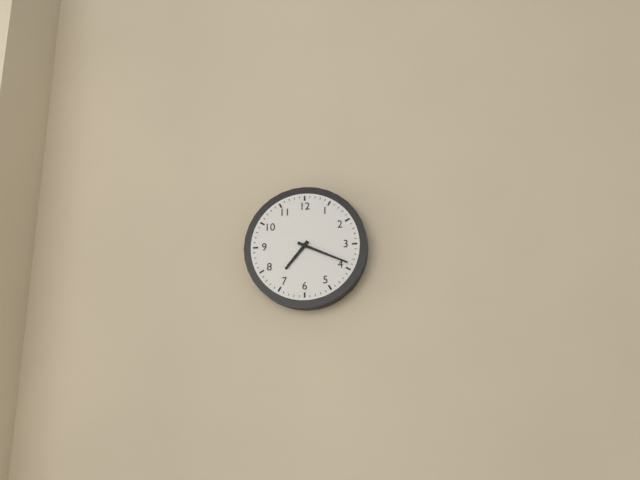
7:19
